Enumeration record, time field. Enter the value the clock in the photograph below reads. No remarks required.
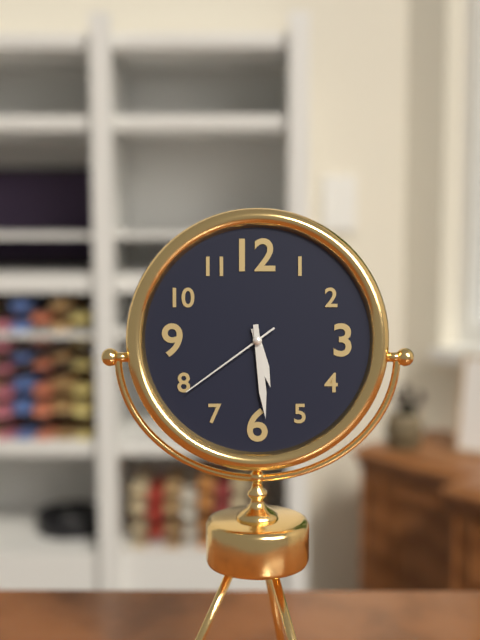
5:29:39
